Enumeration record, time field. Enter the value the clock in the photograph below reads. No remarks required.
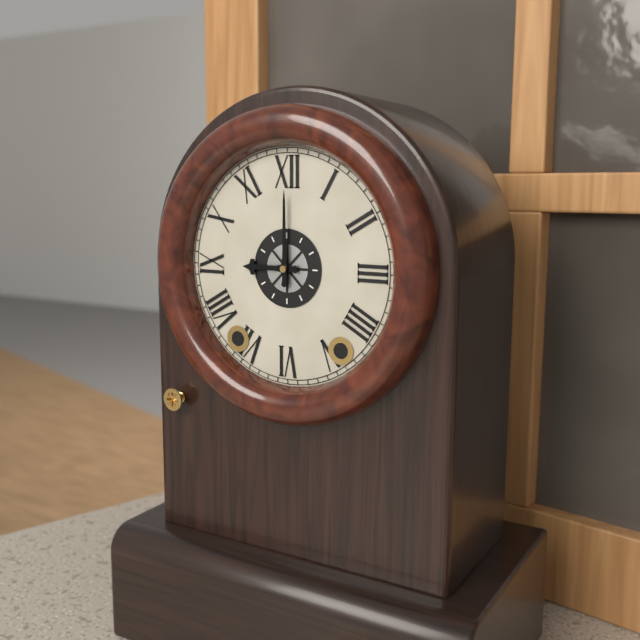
9:00
